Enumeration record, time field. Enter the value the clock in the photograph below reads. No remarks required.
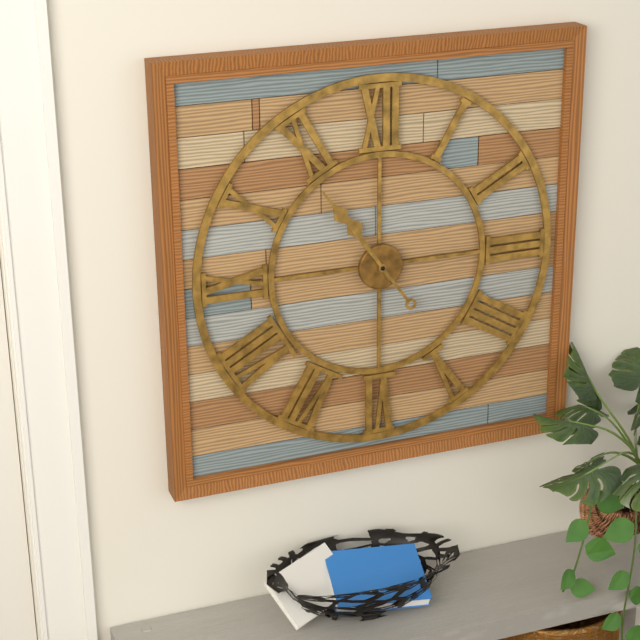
10:54
